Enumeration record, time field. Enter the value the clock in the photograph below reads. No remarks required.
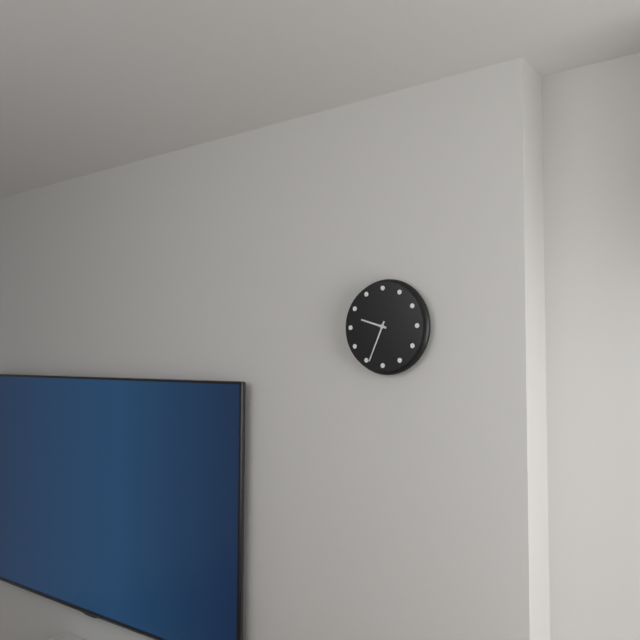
9:34
